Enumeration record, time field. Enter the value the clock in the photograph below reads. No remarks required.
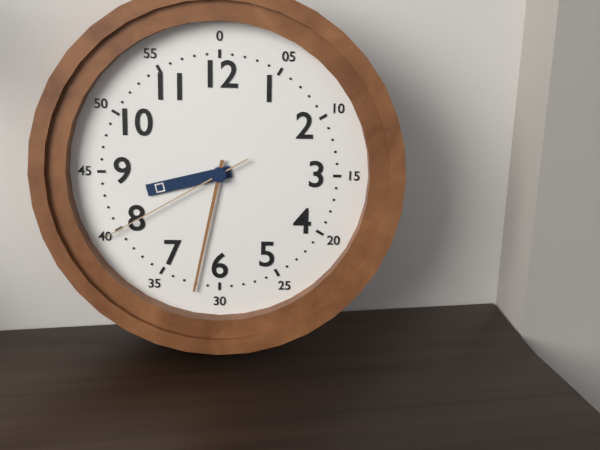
8:32:40
